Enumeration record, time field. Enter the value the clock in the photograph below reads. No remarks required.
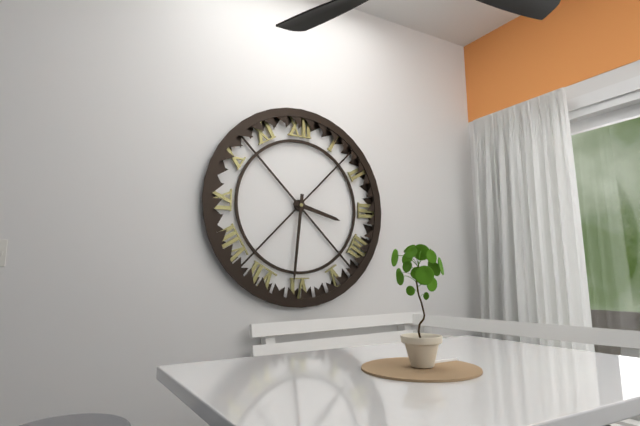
3:31
